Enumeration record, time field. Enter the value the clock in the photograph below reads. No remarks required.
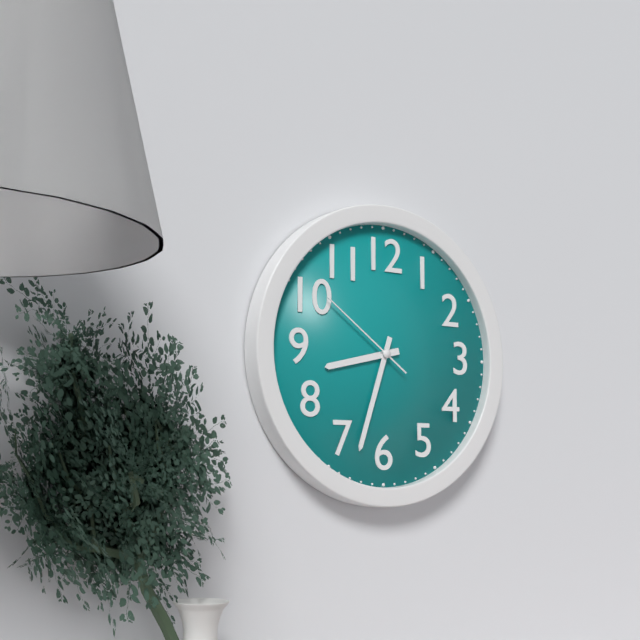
8:33:51
